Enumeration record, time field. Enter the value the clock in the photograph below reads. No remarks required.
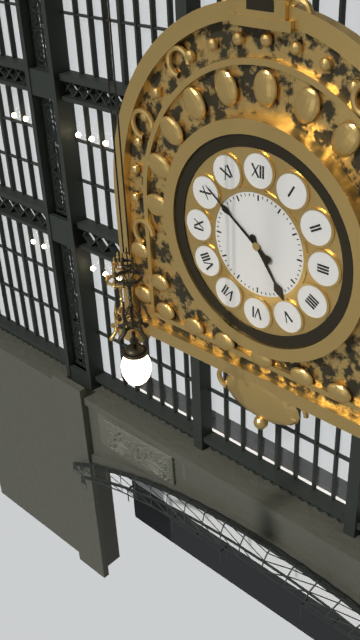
4:51
